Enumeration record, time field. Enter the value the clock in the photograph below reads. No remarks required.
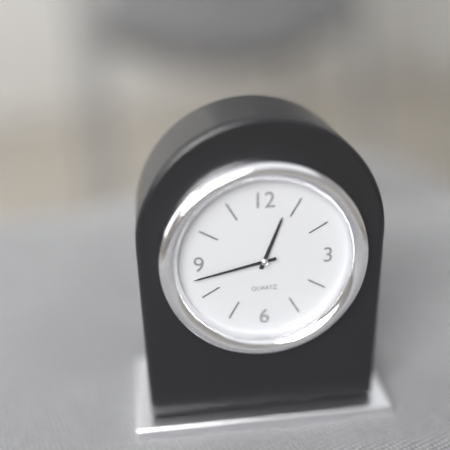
12:43
